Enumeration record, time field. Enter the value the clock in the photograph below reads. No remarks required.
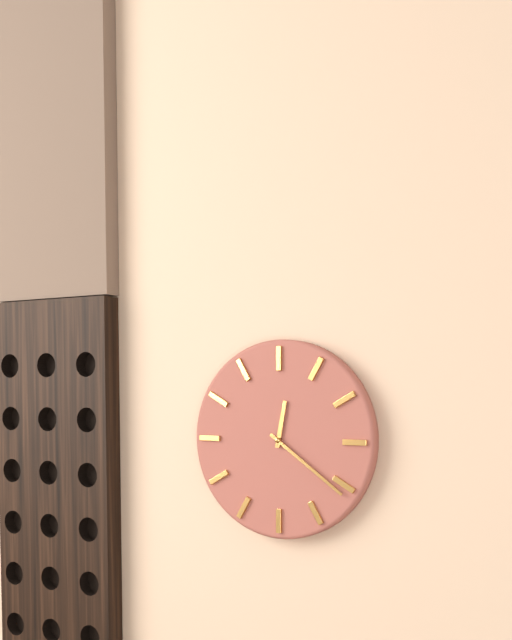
12:21
